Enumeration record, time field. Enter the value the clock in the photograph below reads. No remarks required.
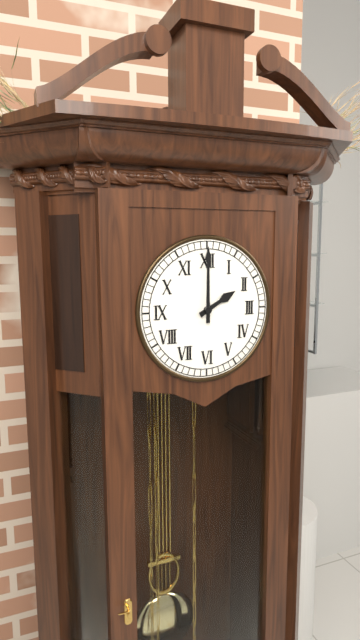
2:00
